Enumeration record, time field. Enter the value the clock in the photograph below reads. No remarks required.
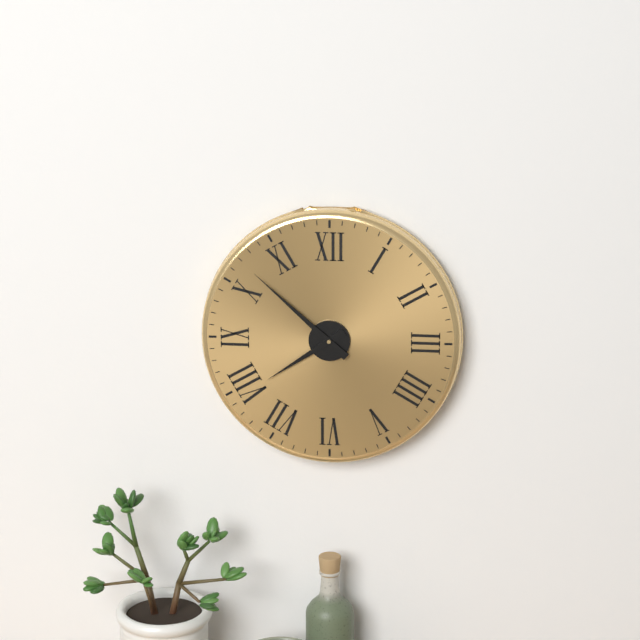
7:52
